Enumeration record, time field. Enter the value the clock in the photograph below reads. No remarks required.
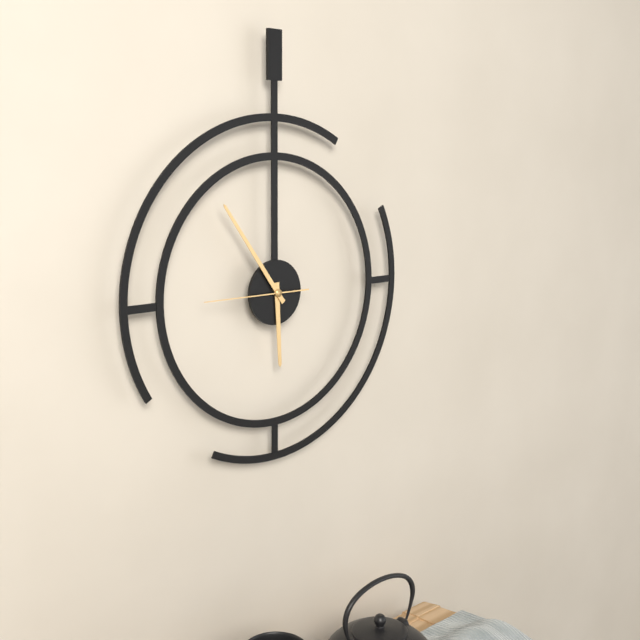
5:54:45
